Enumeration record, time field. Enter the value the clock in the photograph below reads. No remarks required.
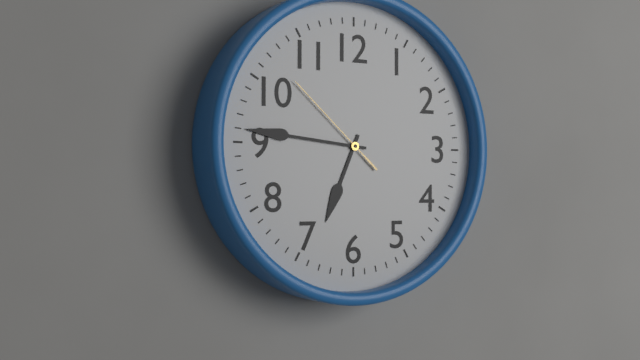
6:46:52
